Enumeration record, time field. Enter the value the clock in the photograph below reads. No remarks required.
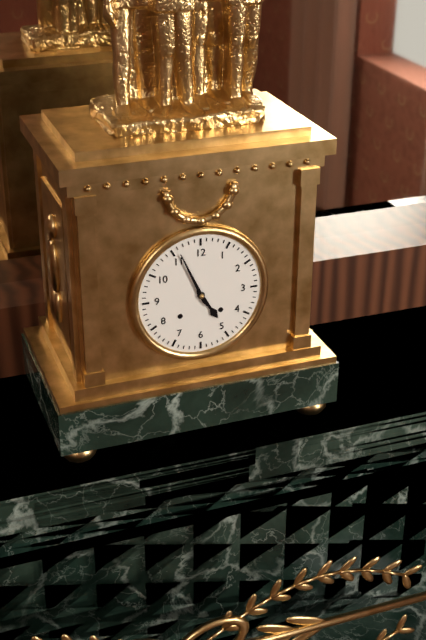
4:56
